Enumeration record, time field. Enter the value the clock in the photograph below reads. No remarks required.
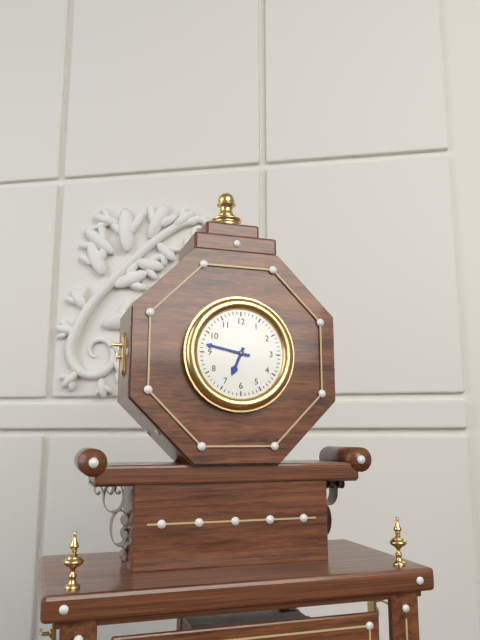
6:47
